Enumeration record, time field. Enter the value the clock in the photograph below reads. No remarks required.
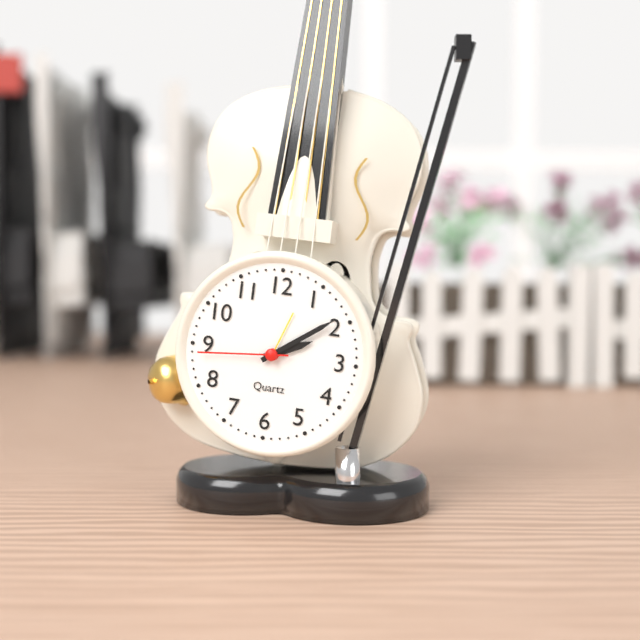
2:09:44
